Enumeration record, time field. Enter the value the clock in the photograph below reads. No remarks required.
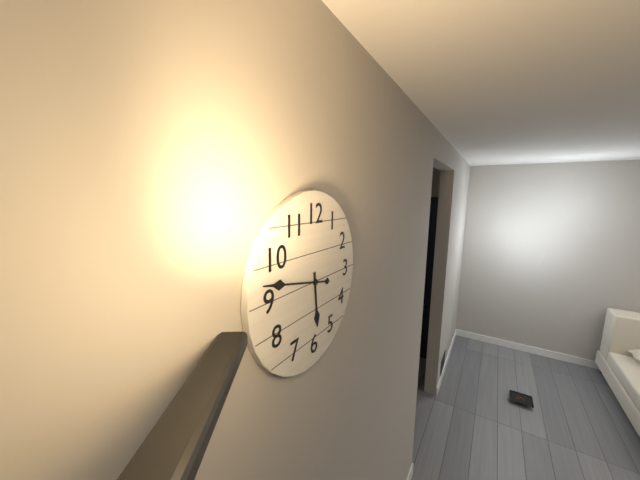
5:47
